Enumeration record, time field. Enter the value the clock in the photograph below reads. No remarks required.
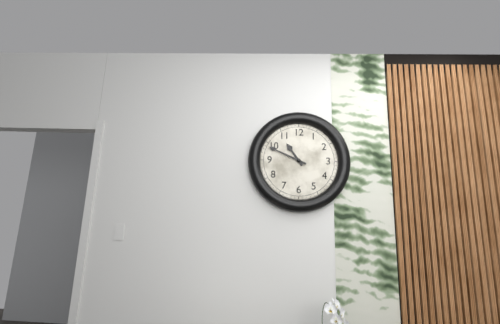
10:49
